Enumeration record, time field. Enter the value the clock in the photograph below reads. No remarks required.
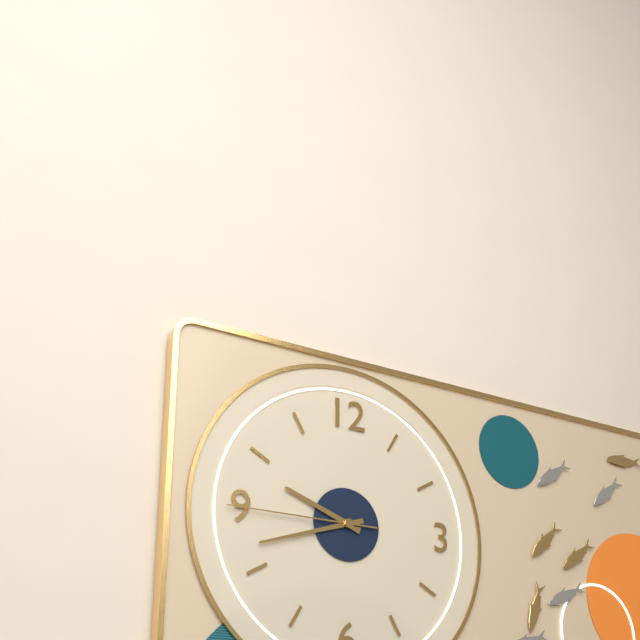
9:42:45
